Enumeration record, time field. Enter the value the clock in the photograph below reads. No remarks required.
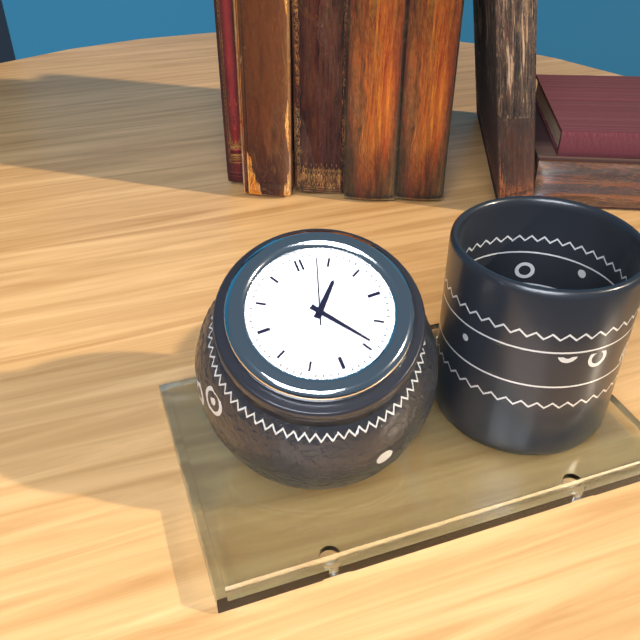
1:24:03
